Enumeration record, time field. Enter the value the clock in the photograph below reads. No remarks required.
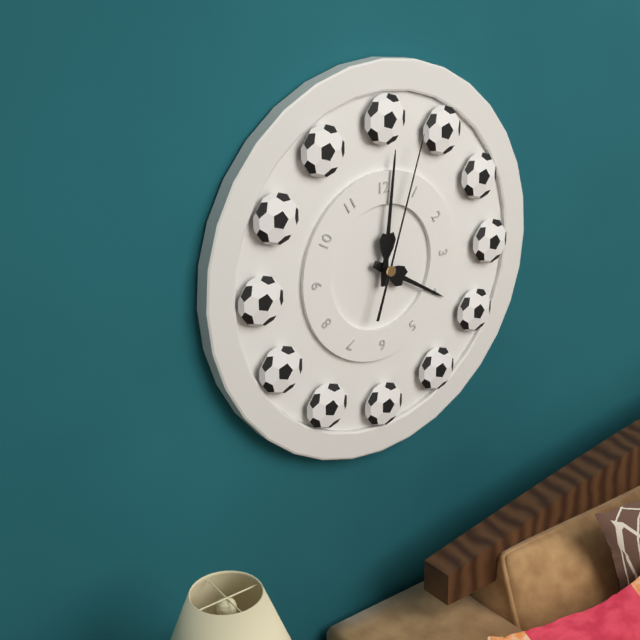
4:01:03
